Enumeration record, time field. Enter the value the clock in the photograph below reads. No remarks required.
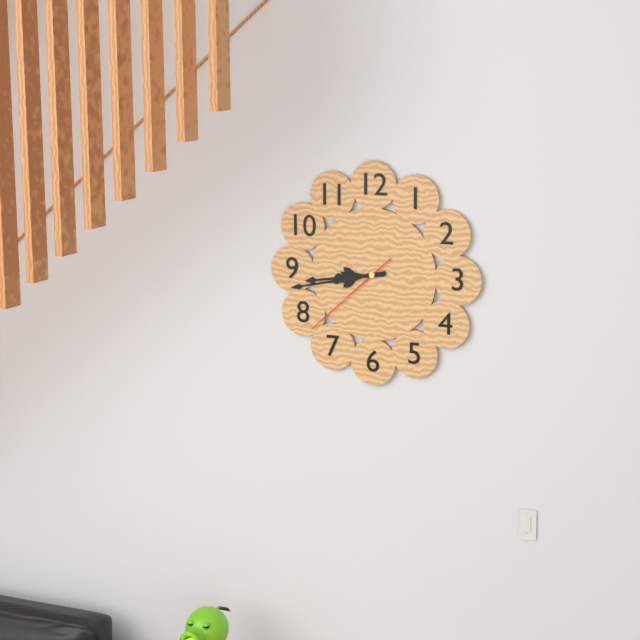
8:43:38
